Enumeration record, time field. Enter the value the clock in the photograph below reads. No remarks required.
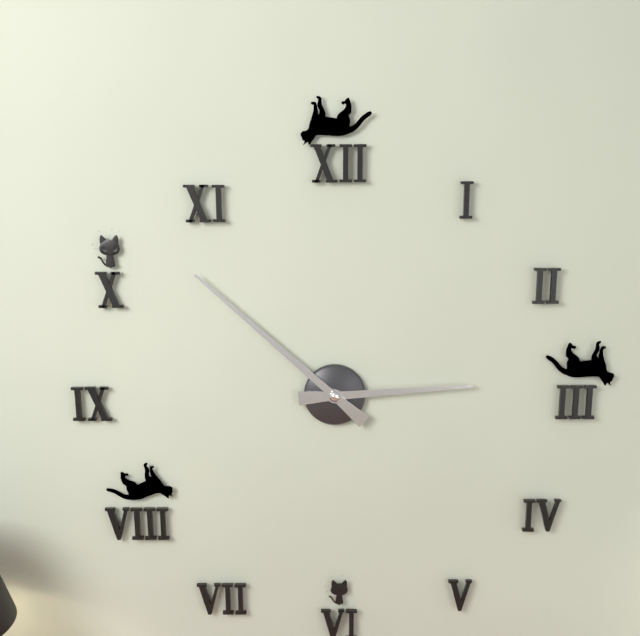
2:52
